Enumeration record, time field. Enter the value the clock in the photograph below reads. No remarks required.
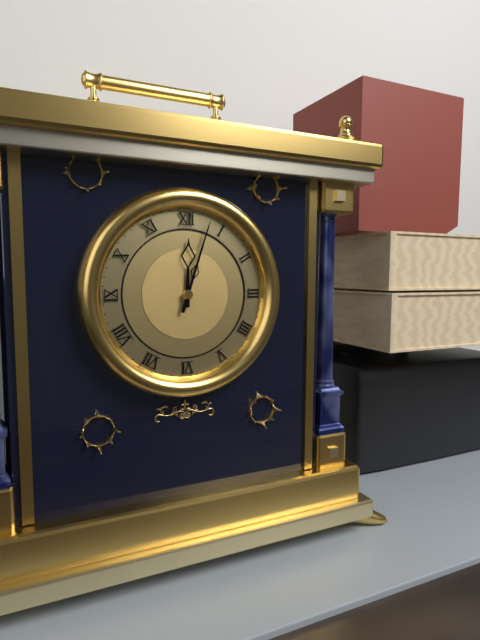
12:03
